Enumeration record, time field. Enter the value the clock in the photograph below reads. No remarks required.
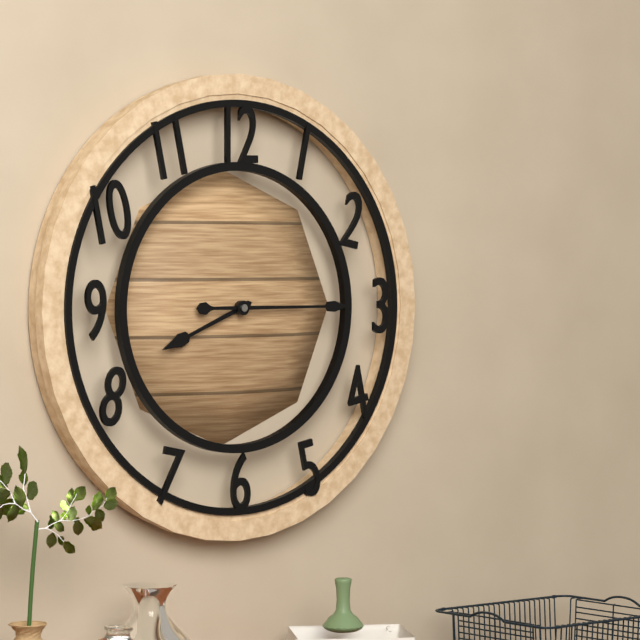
8:15
